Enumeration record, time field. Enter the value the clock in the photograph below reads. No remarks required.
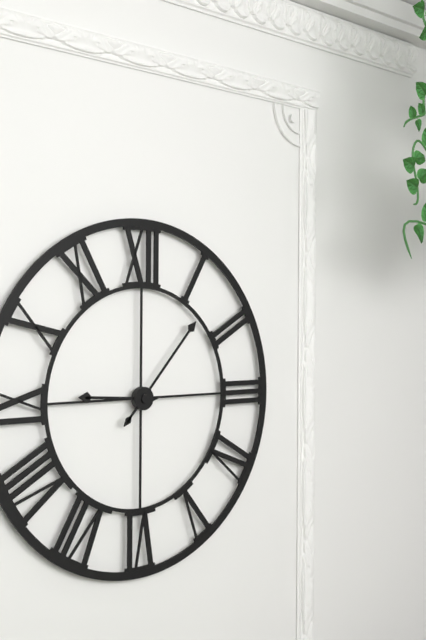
9:07
